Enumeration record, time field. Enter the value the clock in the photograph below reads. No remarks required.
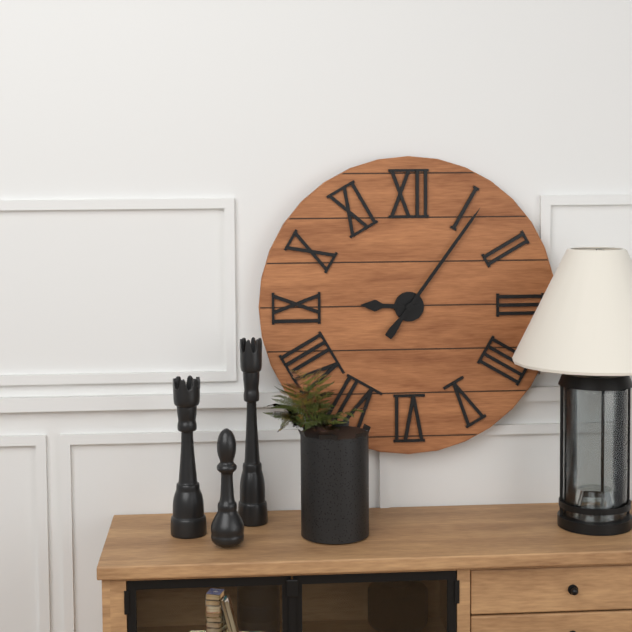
9:06
